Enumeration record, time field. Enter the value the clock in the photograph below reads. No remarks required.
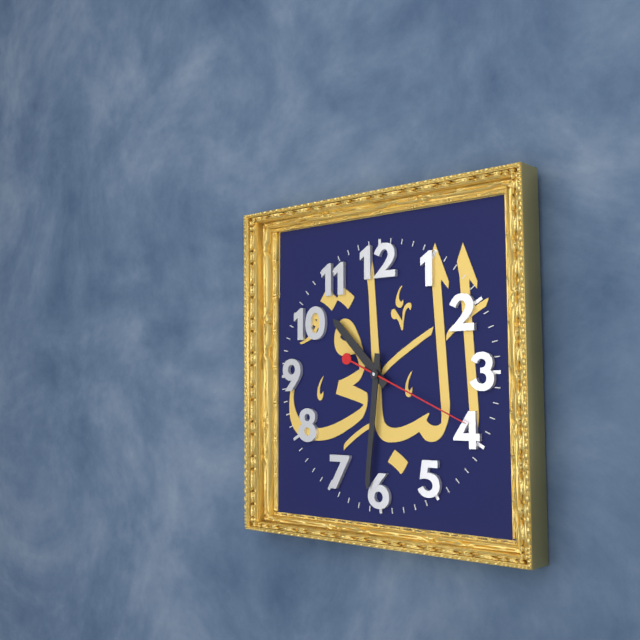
10:31:19
